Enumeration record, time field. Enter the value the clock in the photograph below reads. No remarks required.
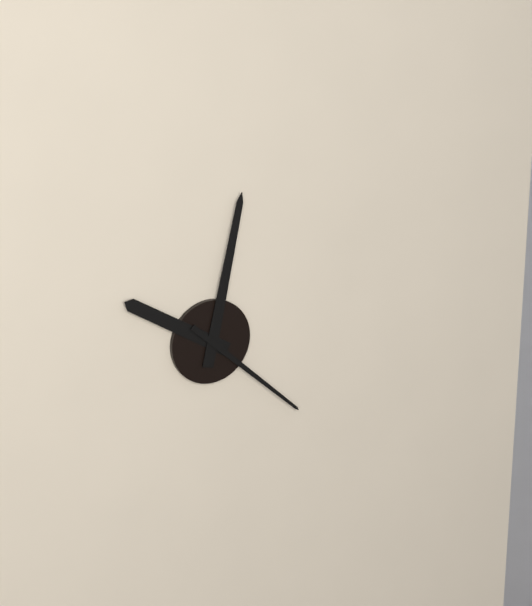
10:02:22
